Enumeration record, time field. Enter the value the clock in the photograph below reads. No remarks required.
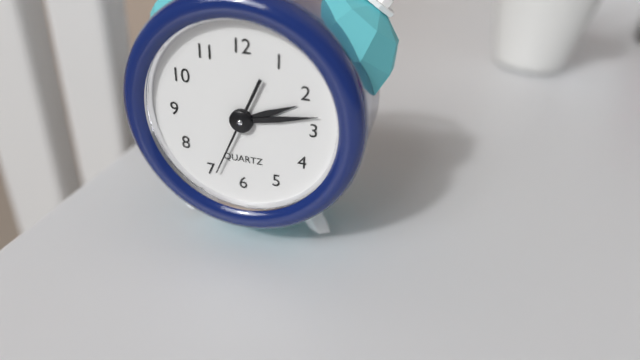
2:13:34
